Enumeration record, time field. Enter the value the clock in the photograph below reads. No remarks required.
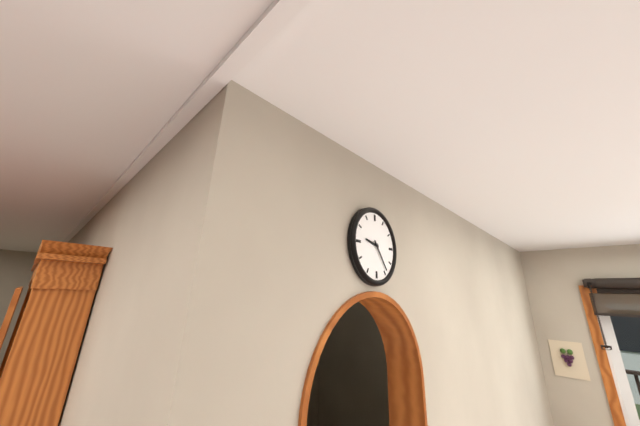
9:24
